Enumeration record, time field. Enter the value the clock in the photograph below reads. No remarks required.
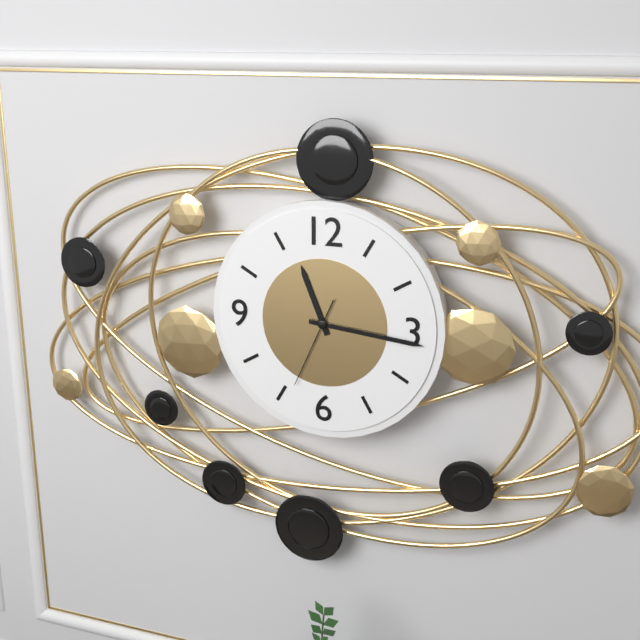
11:16:34
